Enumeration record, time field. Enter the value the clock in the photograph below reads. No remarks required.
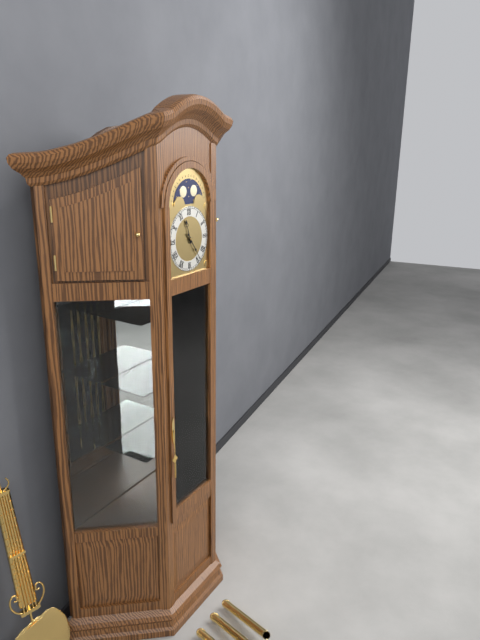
11:24
